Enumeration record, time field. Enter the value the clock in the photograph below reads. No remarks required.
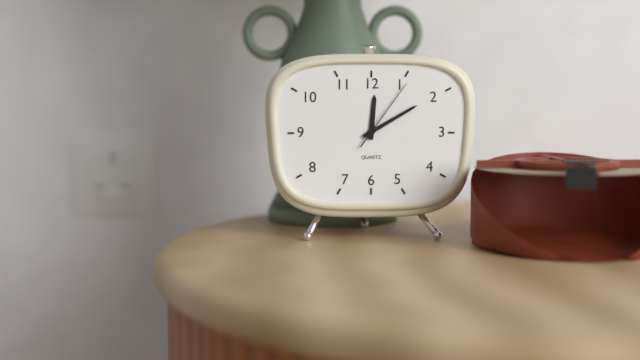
12:10:06
